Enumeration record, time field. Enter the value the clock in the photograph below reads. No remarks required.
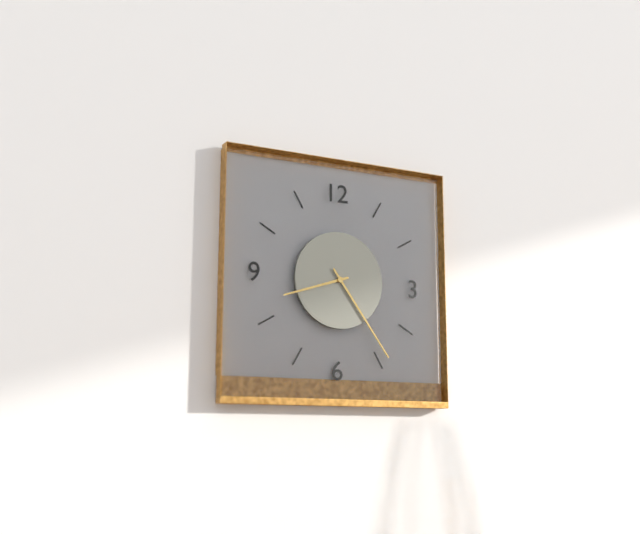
8:24
